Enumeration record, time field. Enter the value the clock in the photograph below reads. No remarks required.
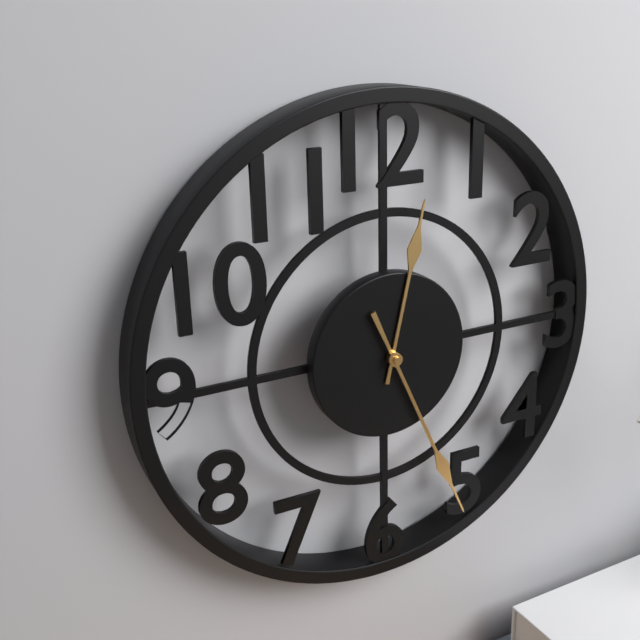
12:26
